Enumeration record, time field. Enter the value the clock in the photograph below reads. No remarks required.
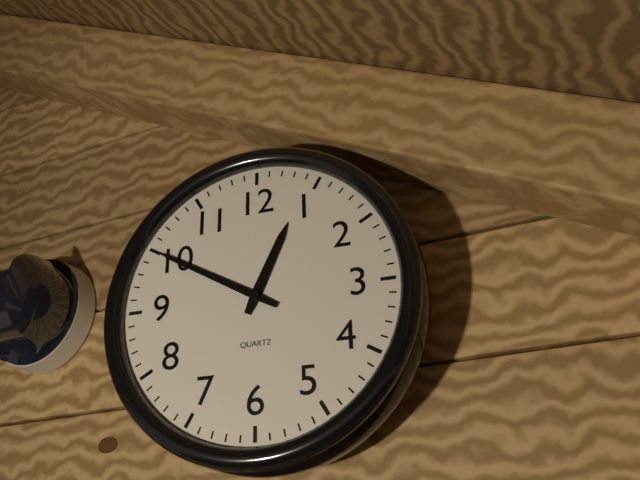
12:50
